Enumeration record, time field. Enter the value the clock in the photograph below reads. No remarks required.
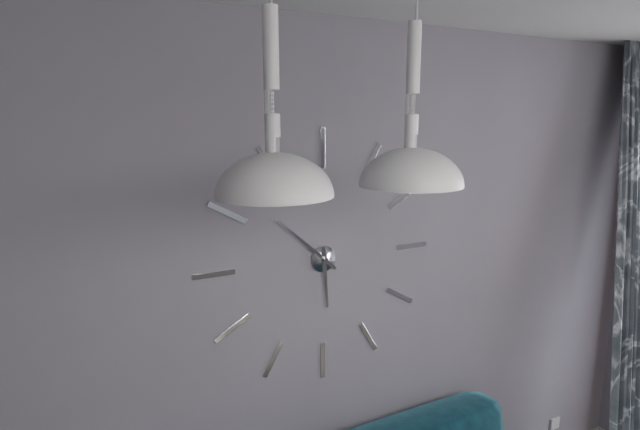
5:52
